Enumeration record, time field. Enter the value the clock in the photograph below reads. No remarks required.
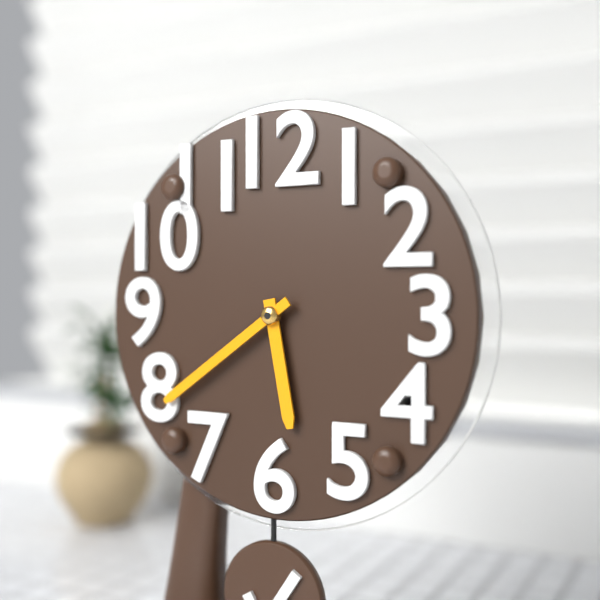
5:39
